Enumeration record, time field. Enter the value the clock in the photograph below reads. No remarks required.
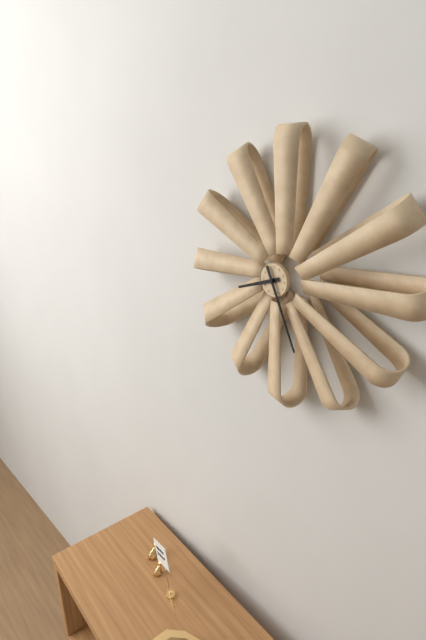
8:26
